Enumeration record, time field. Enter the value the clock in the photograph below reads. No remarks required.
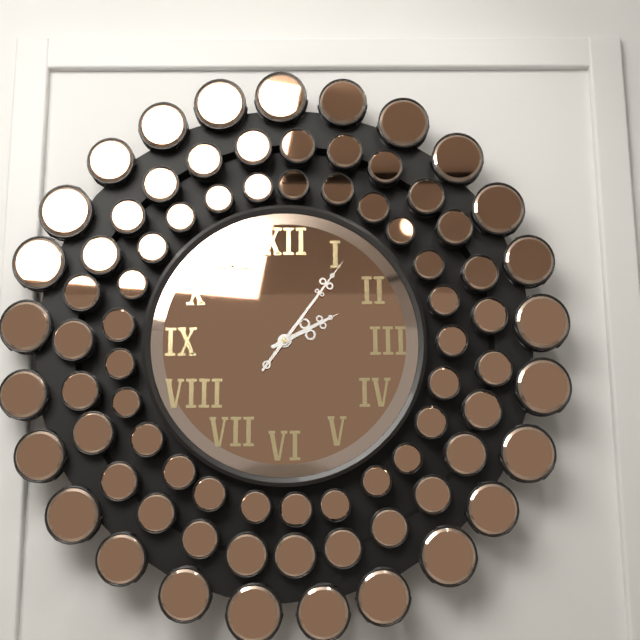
2:06
